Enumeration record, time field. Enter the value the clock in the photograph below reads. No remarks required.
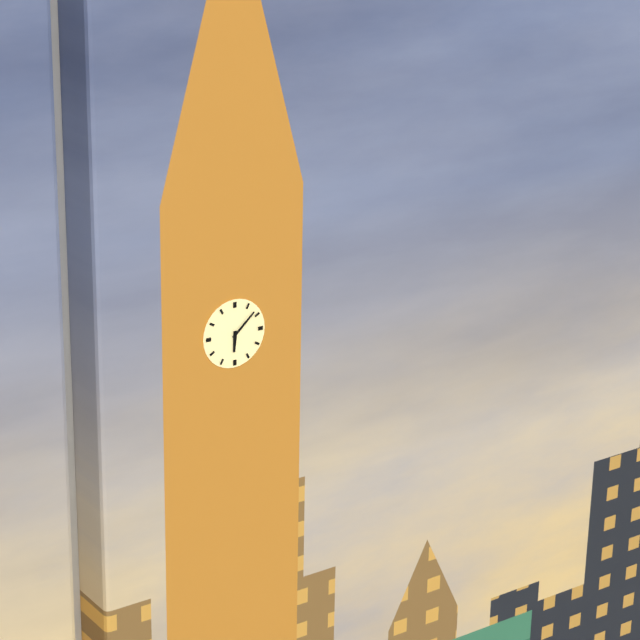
6:08
